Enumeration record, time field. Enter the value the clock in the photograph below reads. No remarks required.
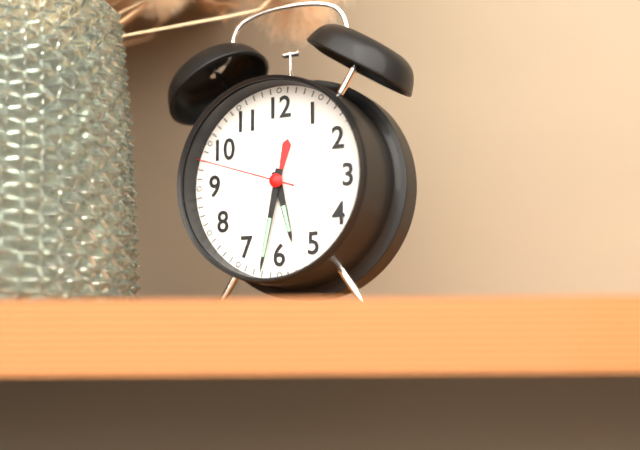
5:32:48
